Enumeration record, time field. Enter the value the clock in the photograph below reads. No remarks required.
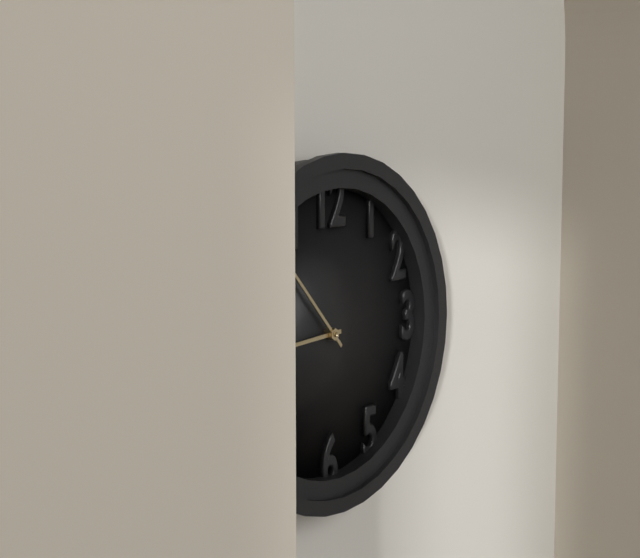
8:53
